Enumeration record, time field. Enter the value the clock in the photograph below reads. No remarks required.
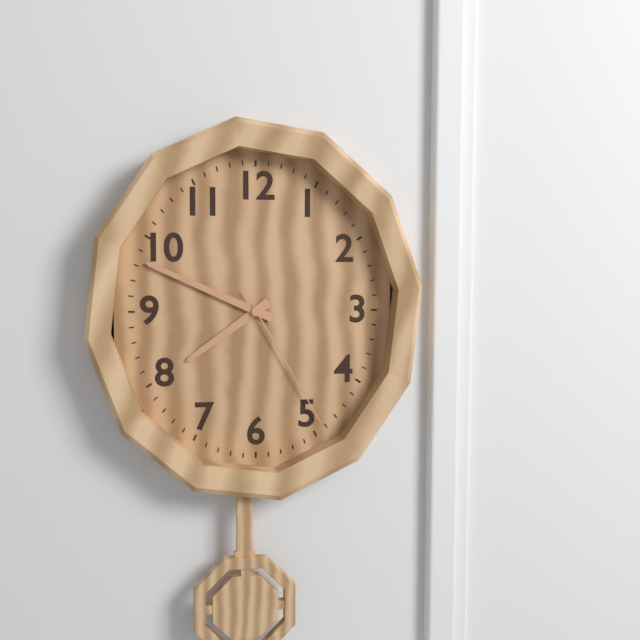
7:49:25
